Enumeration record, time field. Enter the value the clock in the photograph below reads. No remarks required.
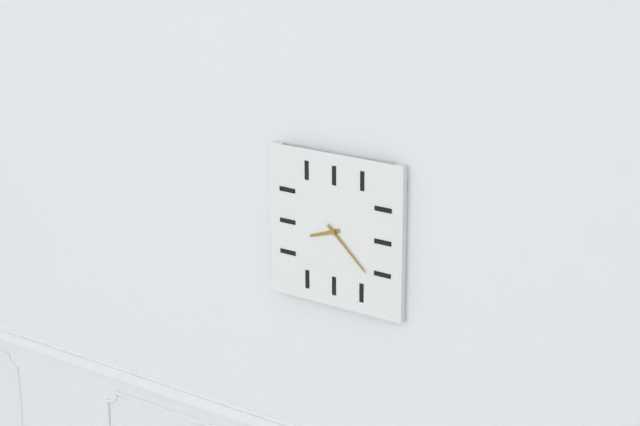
8:22
